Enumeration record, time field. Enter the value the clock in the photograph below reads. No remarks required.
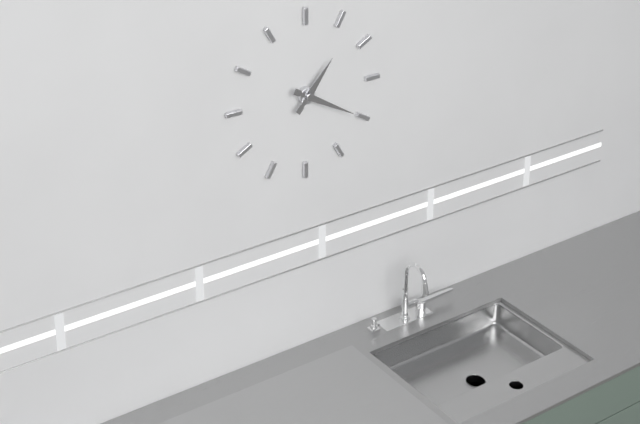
1:20
